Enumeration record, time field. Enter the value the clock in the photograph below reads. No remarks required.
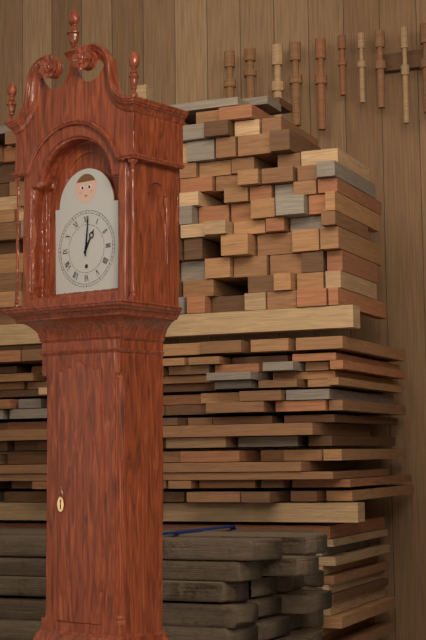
1:01
